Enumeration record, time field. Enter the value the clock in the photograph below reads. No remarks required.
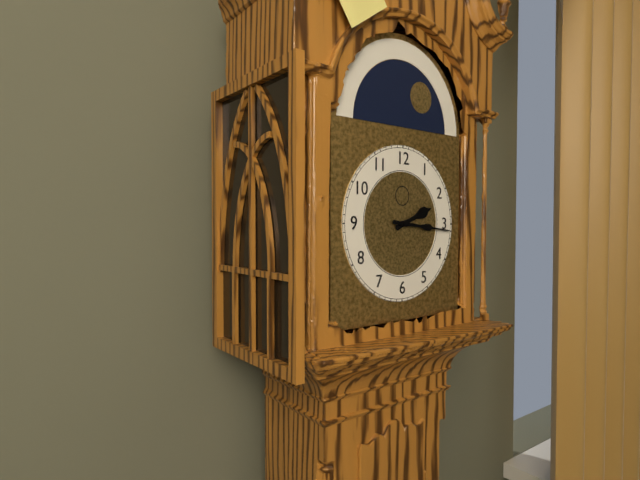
2:16
